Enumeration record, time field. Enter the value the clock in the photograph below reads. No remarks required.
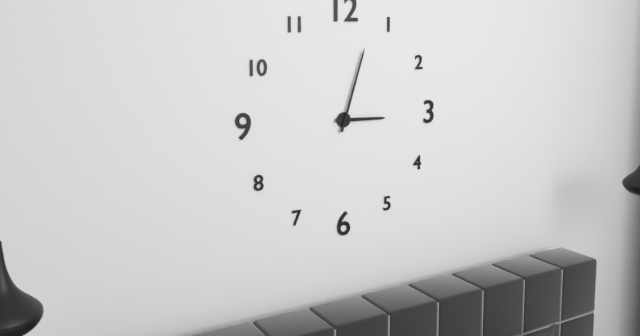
3:03
